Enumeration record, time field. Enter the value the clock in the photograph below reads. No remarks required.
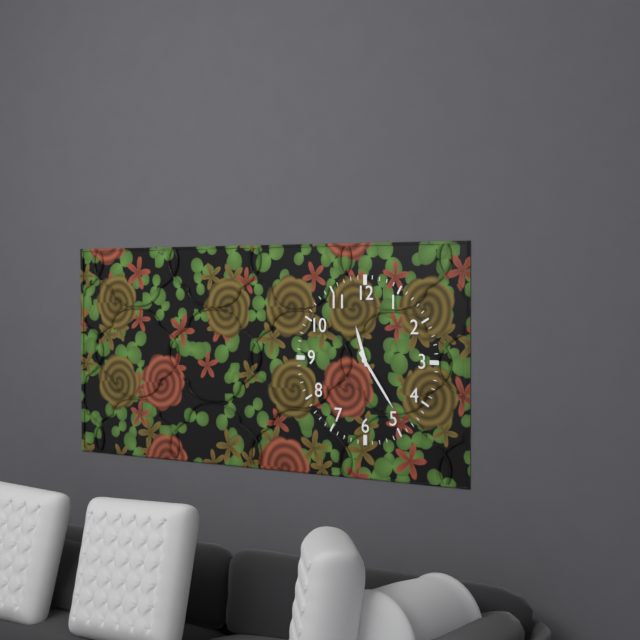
11:24
